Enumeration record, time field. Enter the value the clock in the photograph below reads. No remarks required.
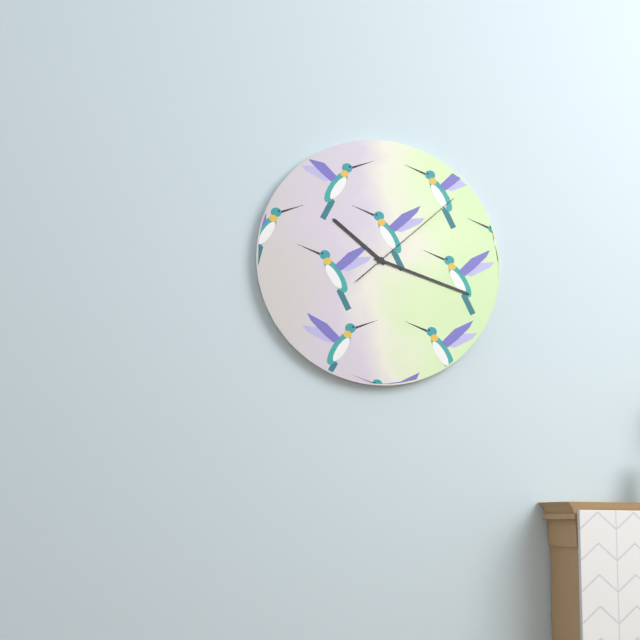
10:18:08
